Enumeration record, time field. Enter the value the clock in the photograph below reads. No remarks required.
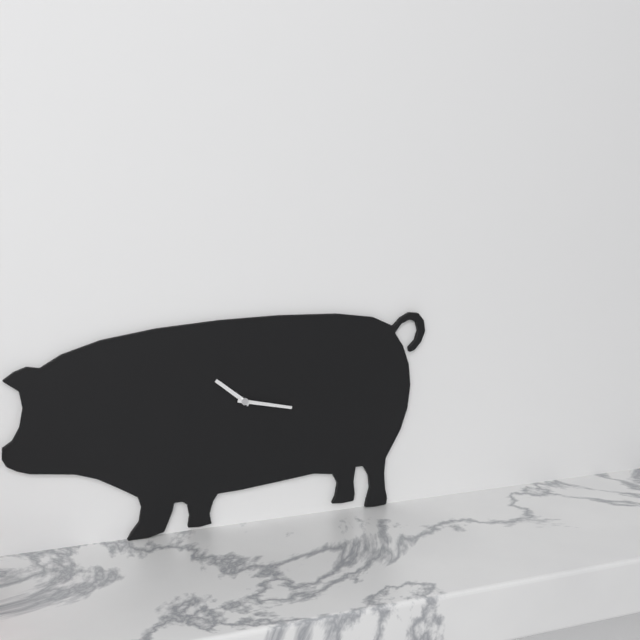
10:17
